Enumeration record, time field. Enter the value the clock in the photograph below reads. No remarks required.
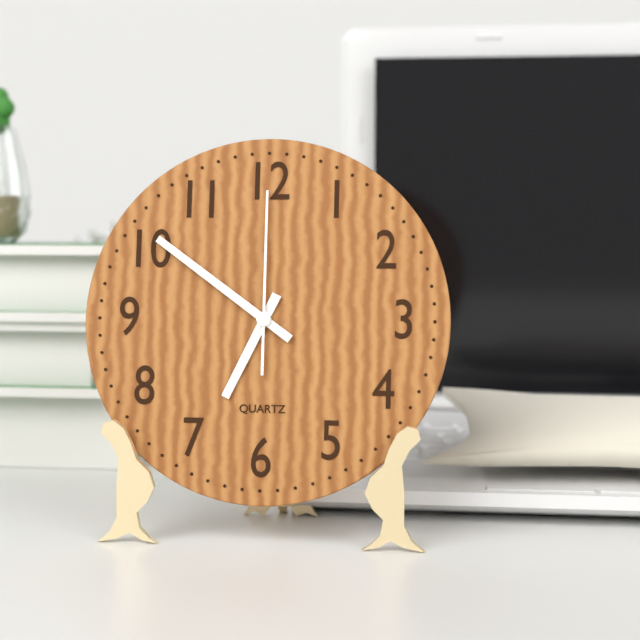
6:51:00
